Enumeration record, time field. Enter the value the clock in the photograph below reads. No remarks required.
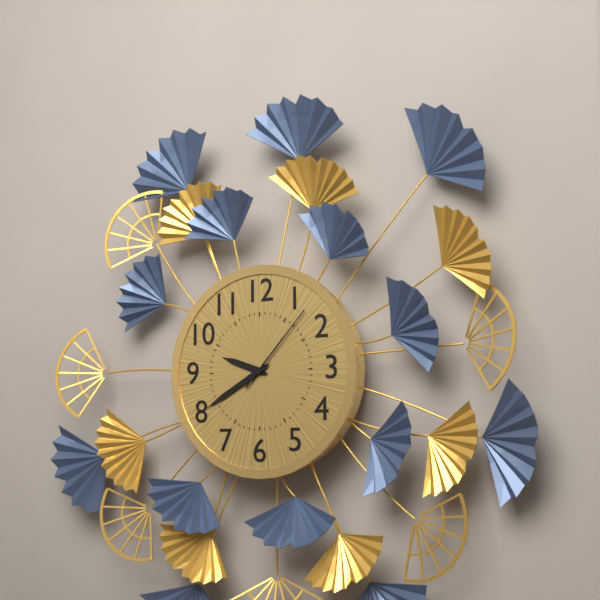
9:40:07
